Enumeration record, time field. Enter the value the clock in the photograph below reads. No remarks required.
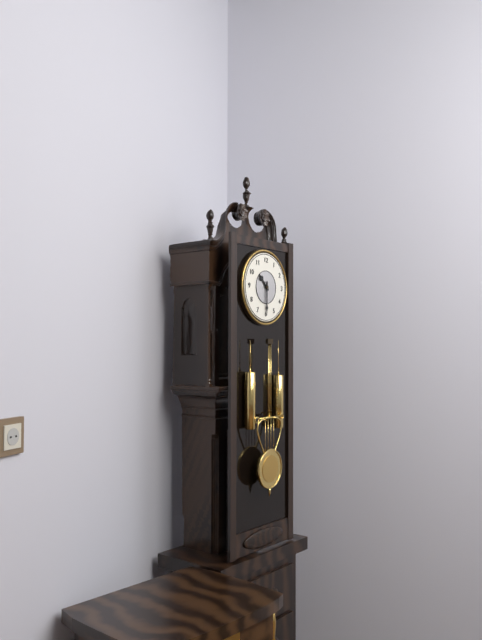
10:30
